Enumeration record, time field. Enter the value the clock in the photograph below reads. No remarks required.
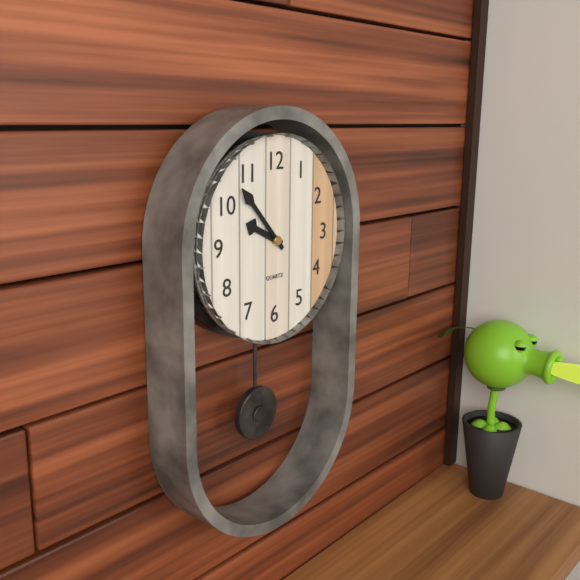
9:53
